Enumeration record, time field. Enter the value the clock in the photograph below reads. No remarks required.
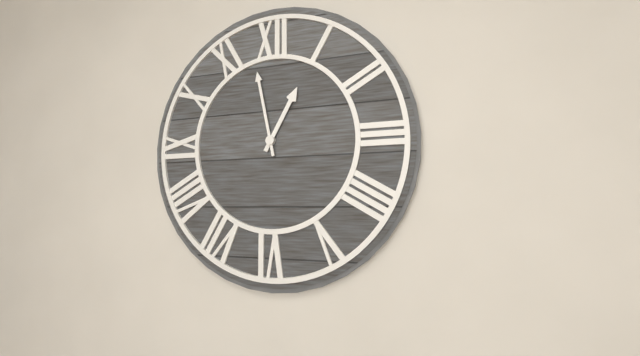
12:58
